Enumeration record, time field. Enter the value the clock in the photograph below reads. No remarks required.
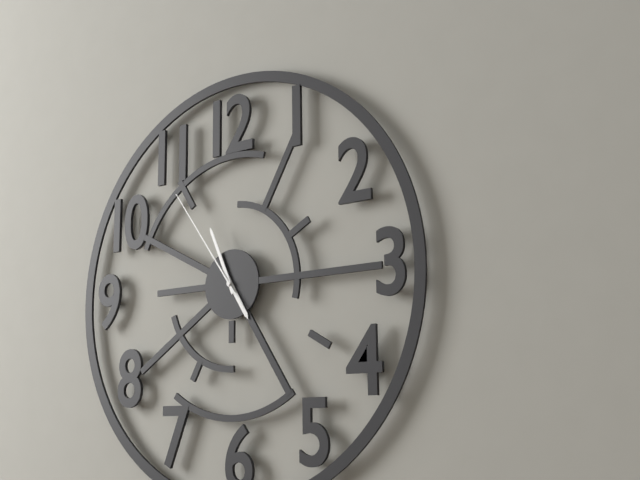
4:56:54
